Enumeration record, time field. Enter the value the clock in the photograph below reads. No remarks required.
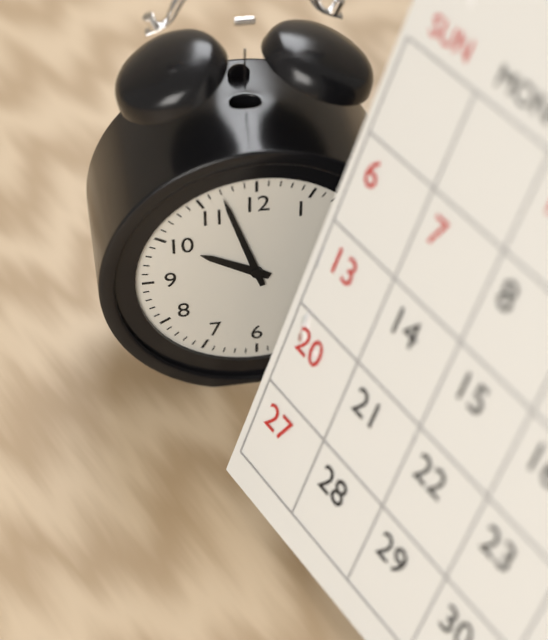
9:57
